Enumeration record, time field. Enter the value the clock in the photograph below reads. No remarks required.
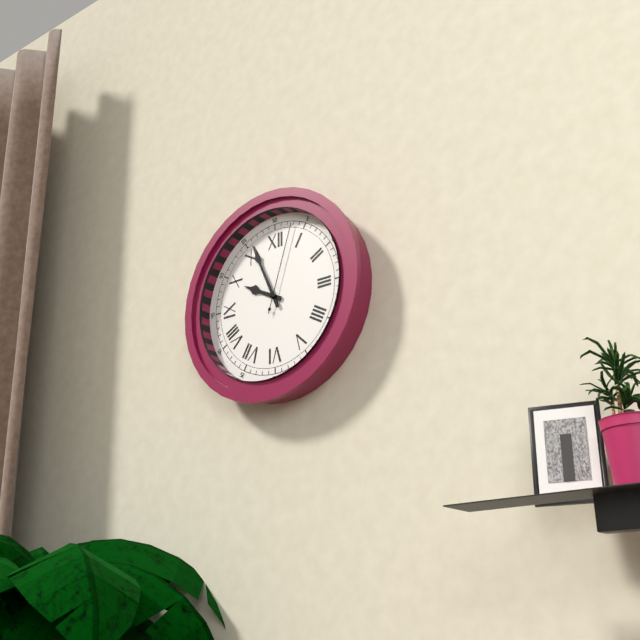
9:56:03
